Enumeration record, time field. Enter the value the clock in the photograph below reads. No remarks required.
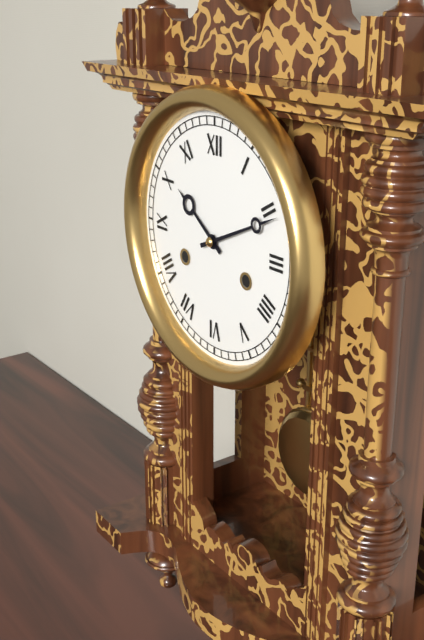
10:11
